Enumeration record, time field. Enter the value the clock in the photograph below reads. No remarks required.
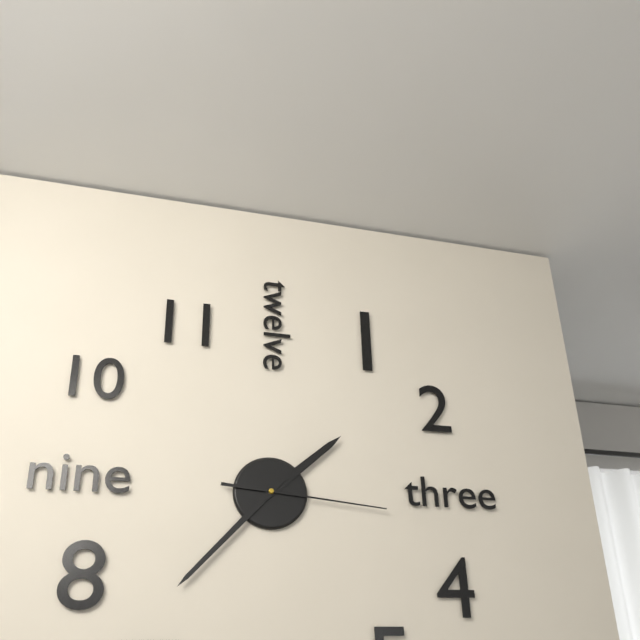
1:37:16
